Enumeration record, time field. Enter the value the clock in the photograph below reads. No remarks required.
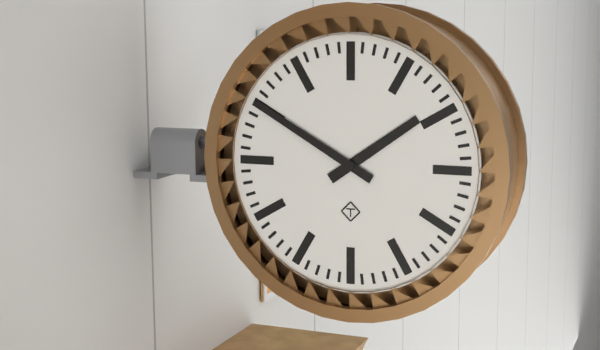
1:50
